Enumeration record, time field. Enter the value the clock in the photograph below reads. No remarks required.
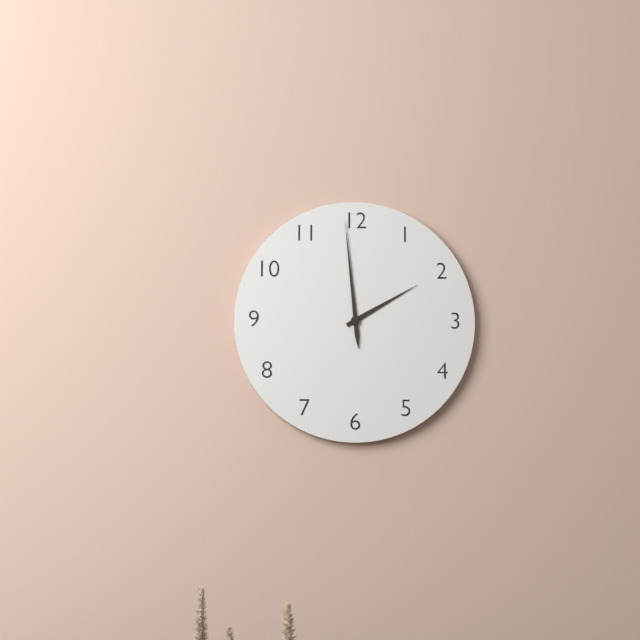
1:59
